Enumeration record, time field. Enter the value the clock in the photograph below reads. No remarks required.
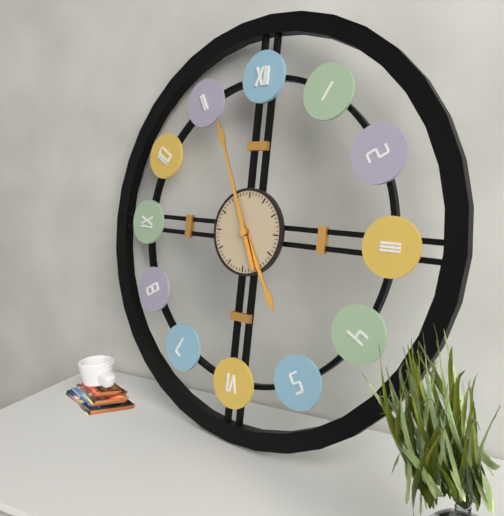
4:56
